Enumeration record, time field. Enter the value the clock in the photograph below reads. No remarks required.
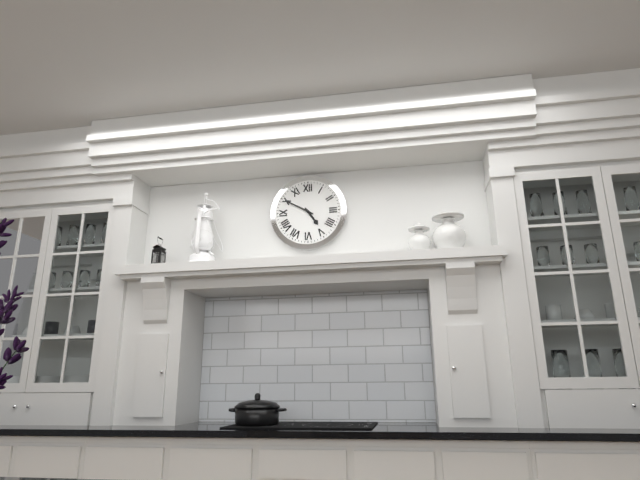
4:50
